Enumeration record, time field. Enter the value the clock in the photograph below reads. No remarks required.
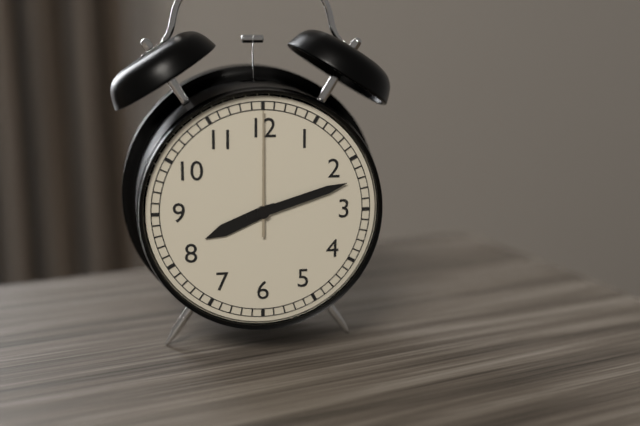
8:12:00
